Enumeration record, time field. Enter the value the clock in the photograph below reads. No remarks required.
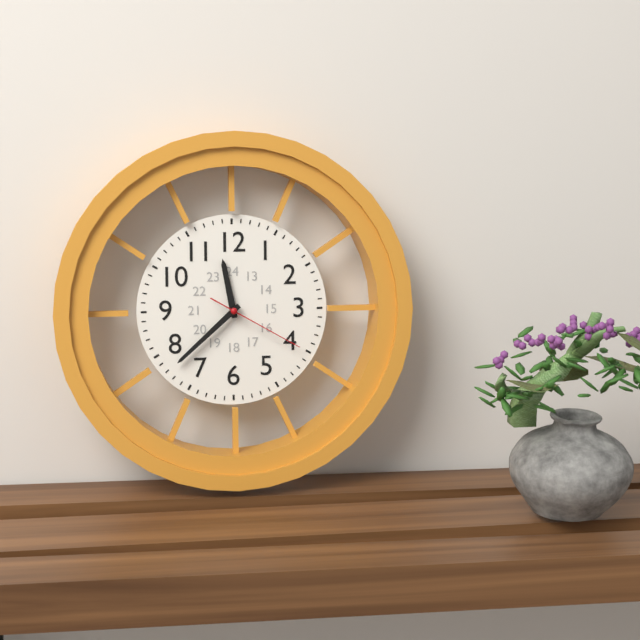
11:38:20
